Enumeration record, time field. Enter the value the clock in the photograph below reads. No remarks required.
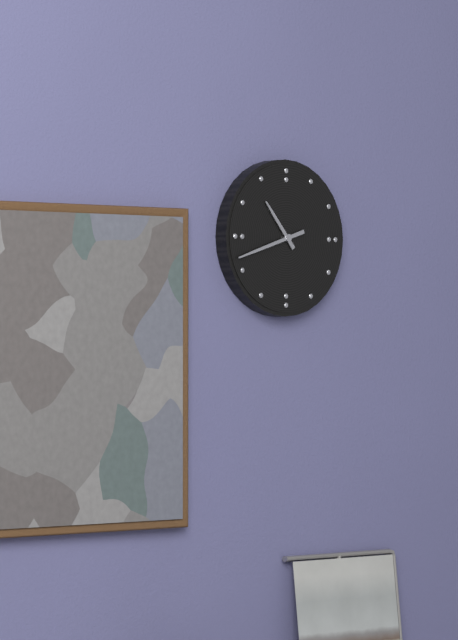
10:42
